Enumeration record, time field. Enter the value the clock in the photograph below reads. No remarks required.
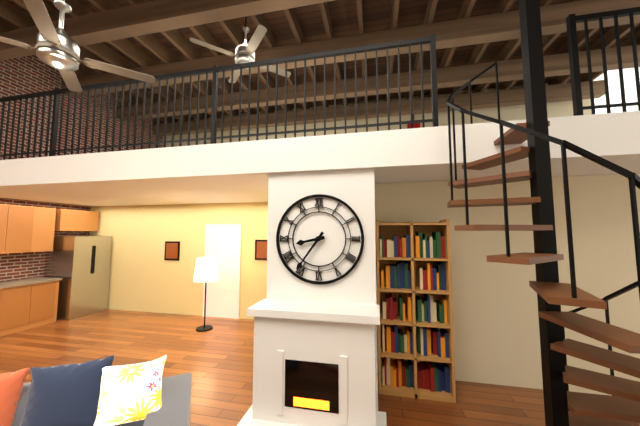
8:36
